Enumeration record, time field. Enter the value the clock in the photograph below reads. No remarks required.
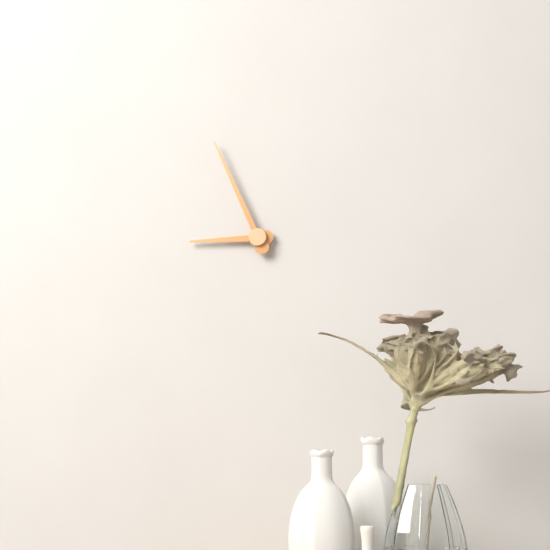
8:56
